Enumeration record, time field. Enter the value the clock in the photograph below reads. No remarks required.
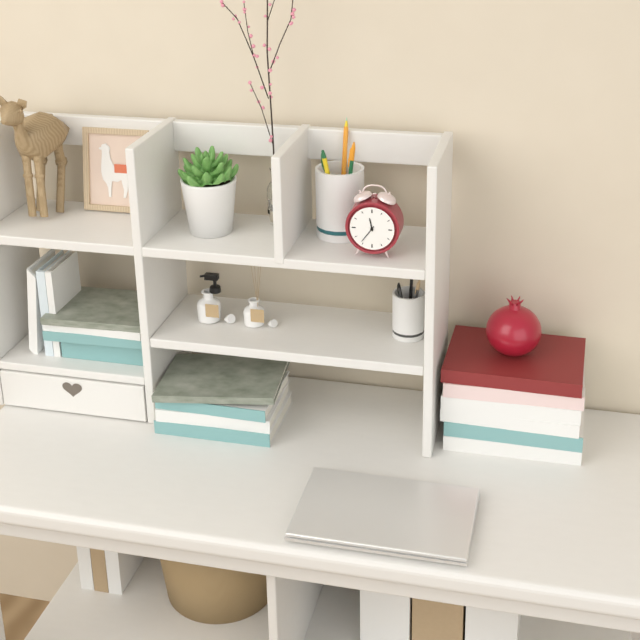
11:36
